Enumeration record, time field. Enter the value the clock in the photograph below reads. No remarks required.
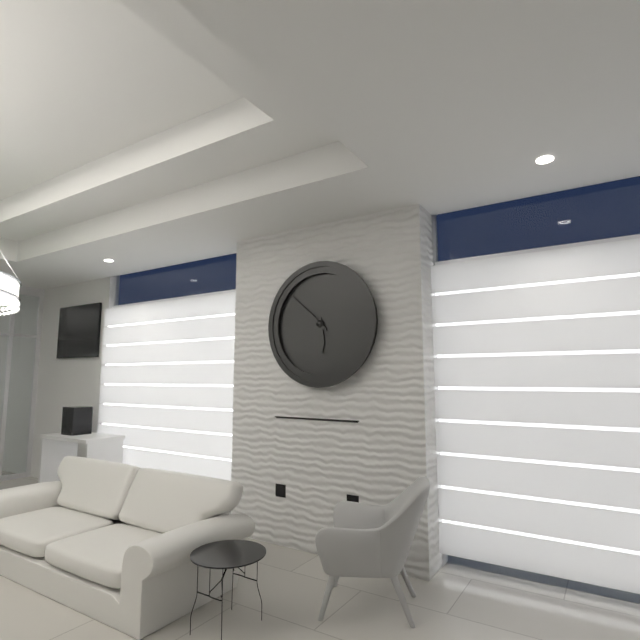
5:52
